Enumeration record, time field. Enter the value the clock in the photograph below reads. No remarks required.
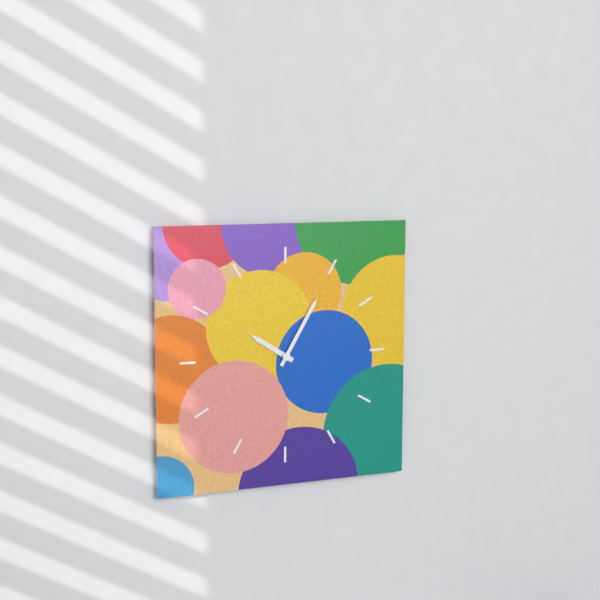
10:05
